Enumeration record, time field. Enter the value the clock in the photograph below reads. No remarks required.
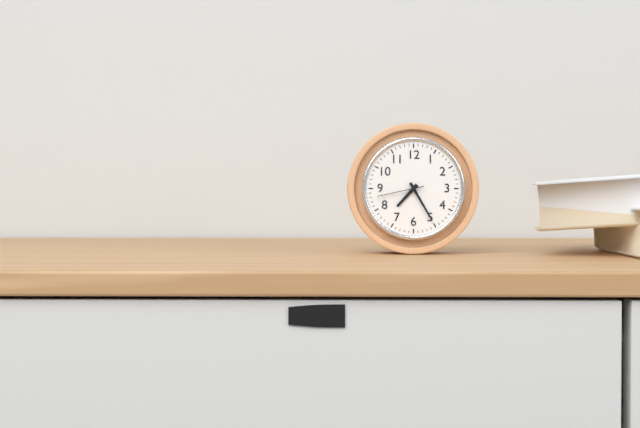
7:25
